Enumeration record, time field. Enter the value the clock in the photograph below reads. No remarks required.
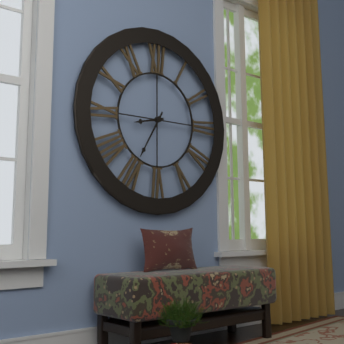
8:35
